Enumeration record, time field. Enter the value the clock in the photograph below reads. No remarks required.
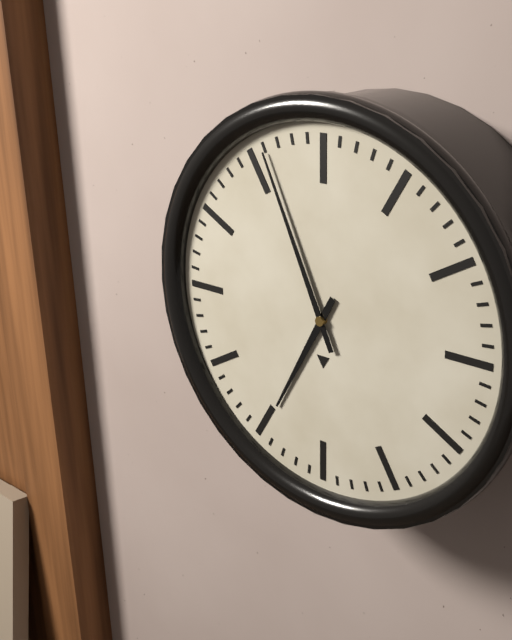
6:56
